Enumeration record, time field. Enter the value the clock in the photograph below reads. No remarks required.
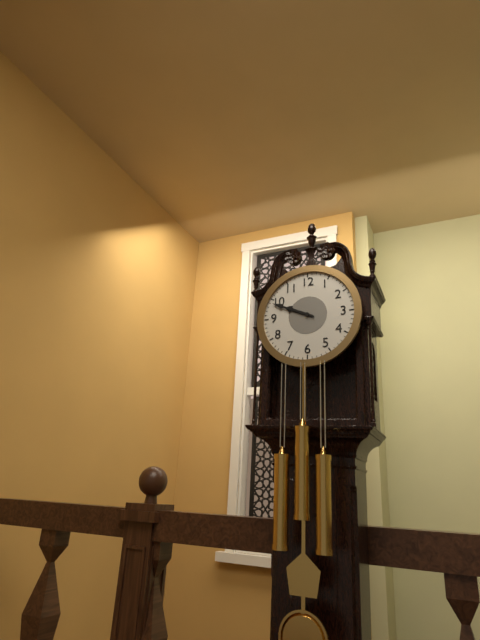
9:49
